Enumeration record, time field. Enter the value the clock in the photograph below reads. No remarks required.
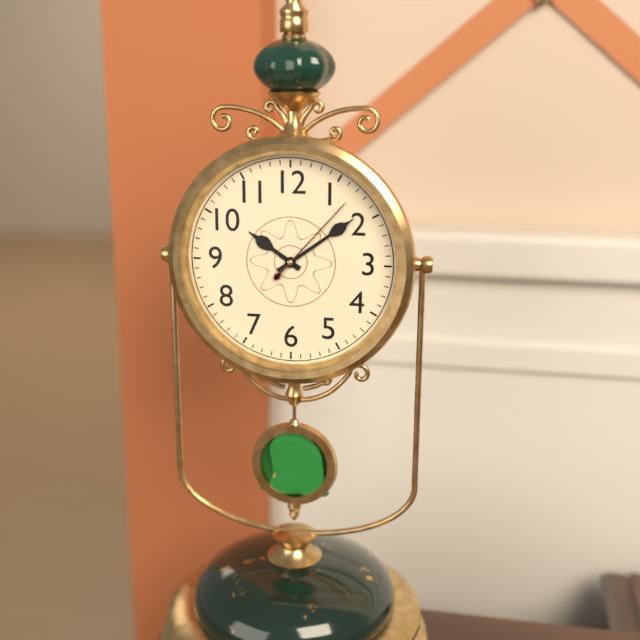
10:09:07
